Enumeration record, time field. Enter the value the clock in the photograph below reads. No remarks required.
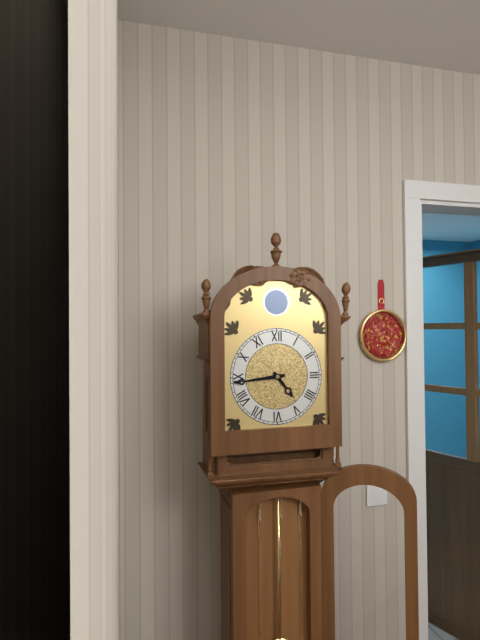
4:44
